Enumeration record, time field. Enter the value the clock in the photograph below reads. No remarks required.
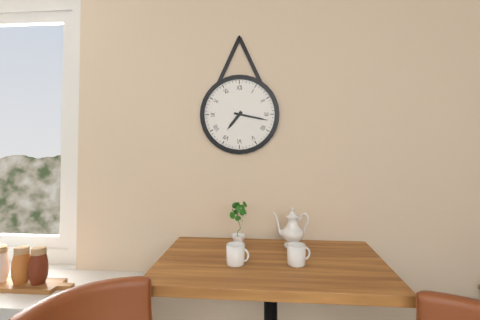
7:17
